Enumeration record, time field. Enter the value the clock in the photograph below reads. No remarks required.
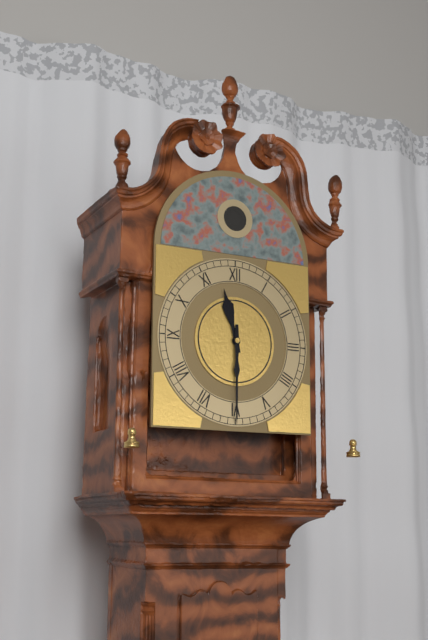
11:30
